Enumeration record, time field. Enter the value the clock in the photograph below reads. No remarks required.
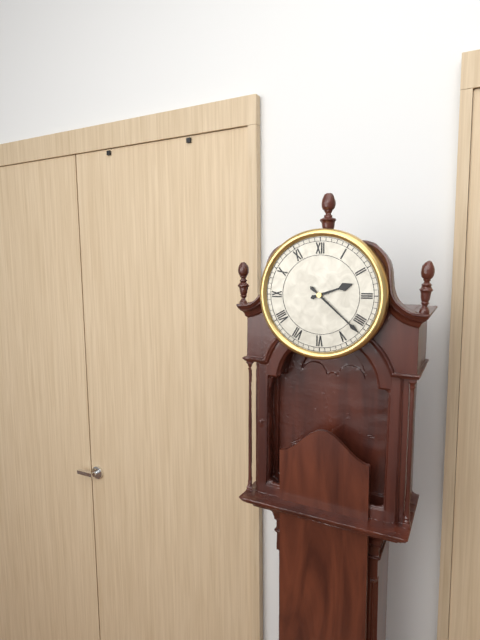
2:22
